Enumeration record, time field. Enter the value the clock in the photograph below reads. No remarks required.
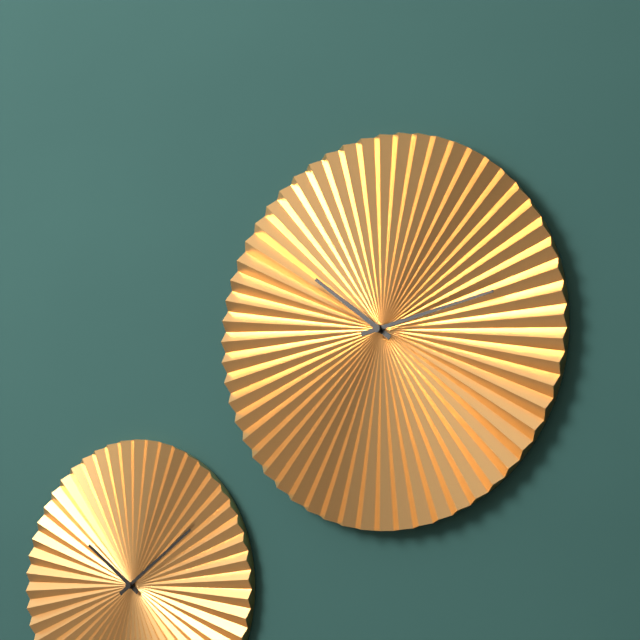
10:13
